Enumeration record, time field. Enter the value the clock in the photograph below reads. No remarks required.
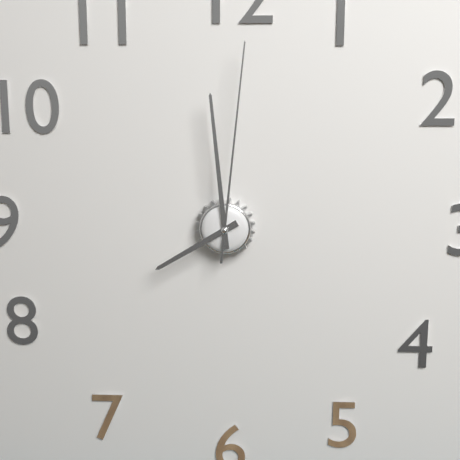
7:59:01
